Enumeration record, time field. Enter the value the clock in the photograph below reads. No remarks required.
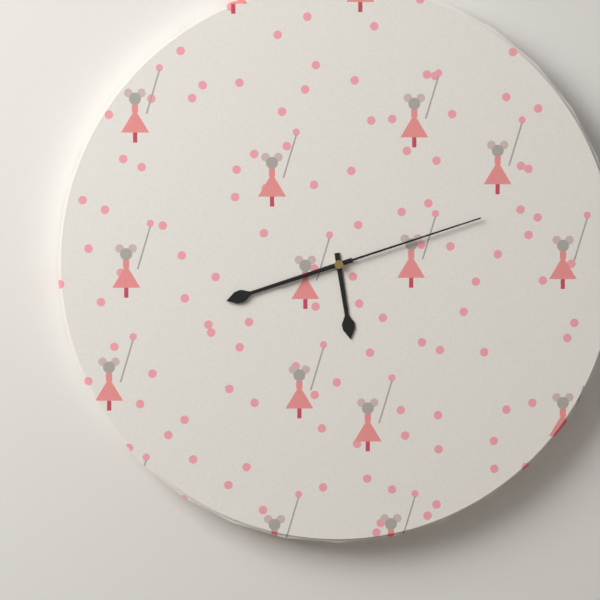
5:42:12
